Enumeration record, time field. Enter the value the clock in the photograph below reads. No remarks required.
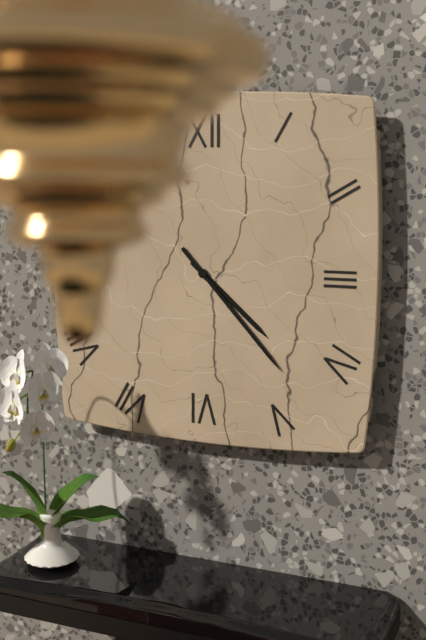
4:23
